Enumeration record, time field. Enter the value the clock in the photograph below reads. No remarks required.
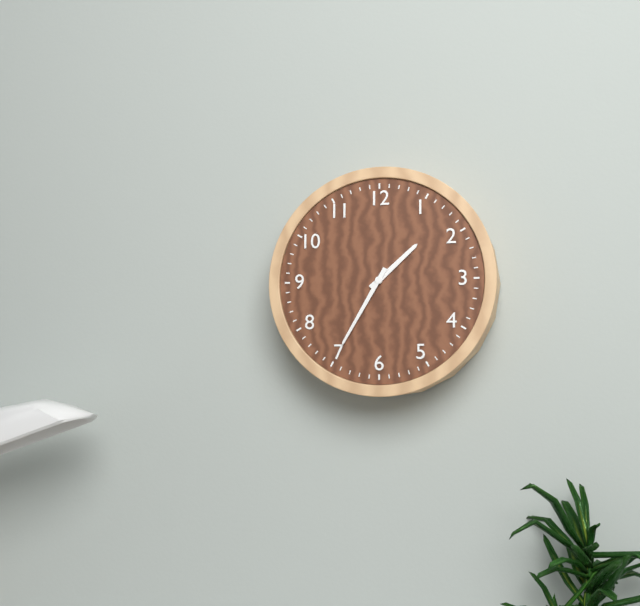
1:35
